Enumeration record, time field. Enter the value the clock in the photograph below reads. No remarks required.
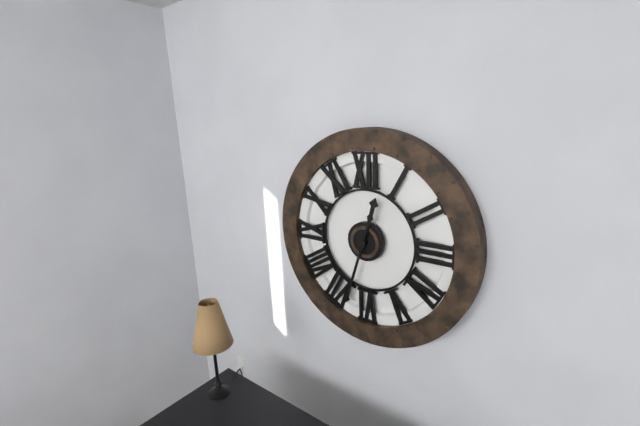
12:33
